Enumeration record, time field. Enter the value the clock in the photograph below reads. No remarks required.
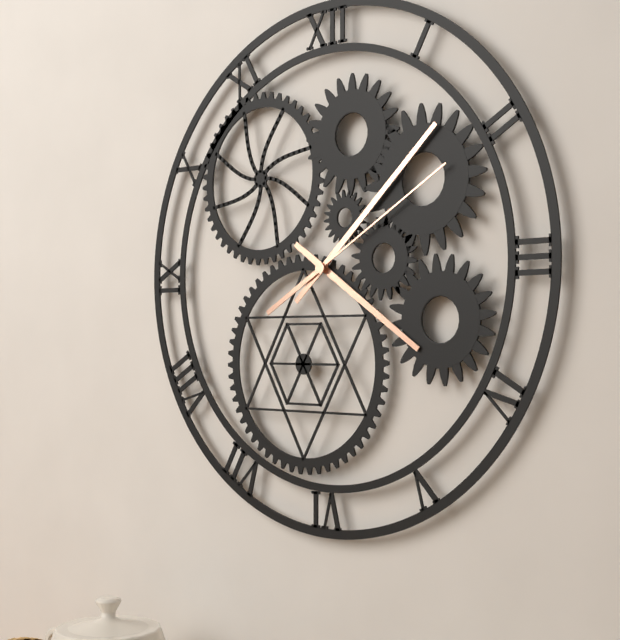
4:08:10
